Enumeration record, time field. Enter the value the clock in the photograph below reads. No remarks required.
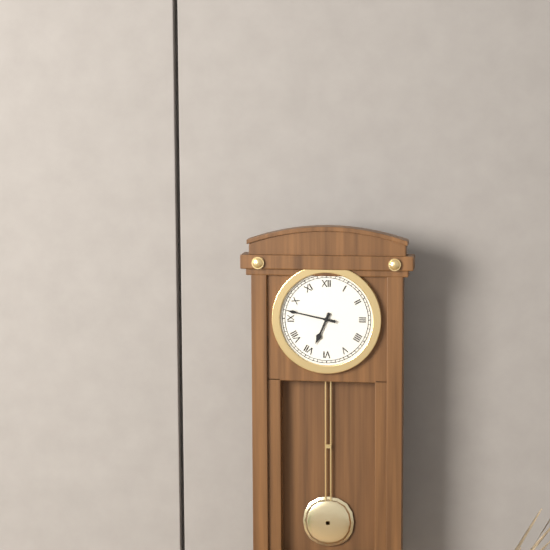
6:47
